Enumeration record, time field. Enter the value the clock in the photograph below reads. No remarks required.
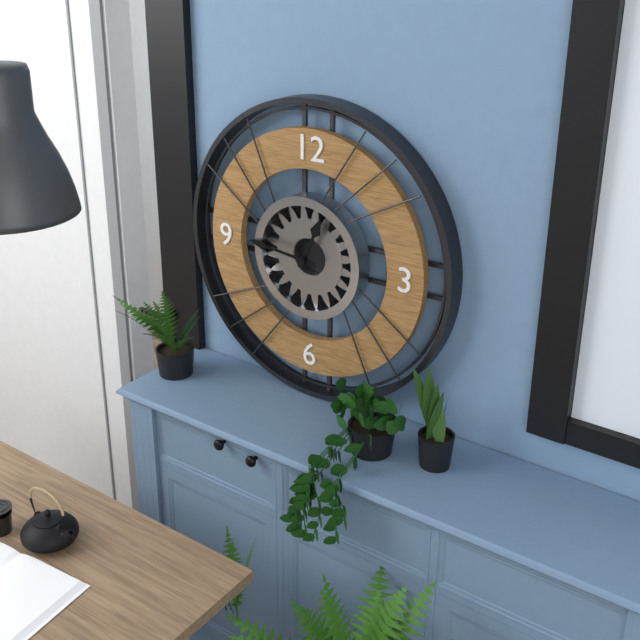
12:46
